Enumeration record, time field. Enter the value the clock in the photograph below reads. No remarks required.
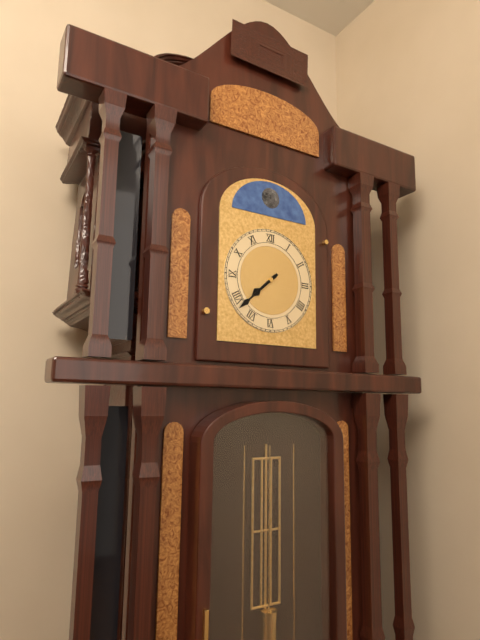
7:38
